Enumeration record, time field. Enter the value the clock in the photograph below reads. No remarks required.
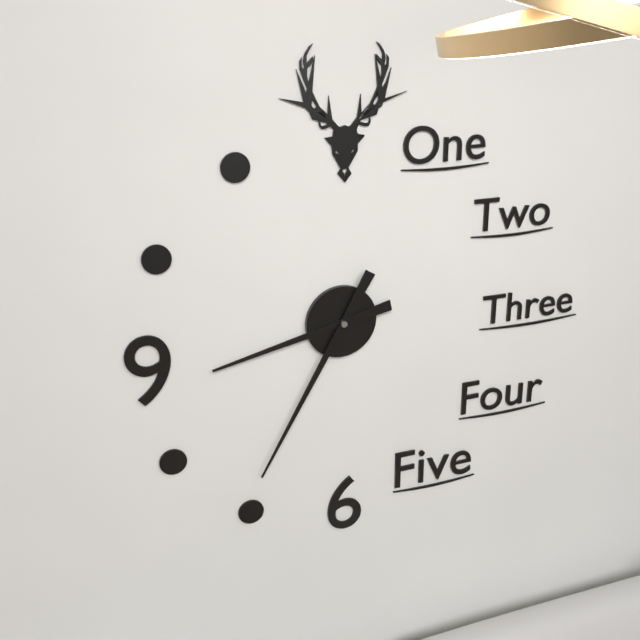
8:35
